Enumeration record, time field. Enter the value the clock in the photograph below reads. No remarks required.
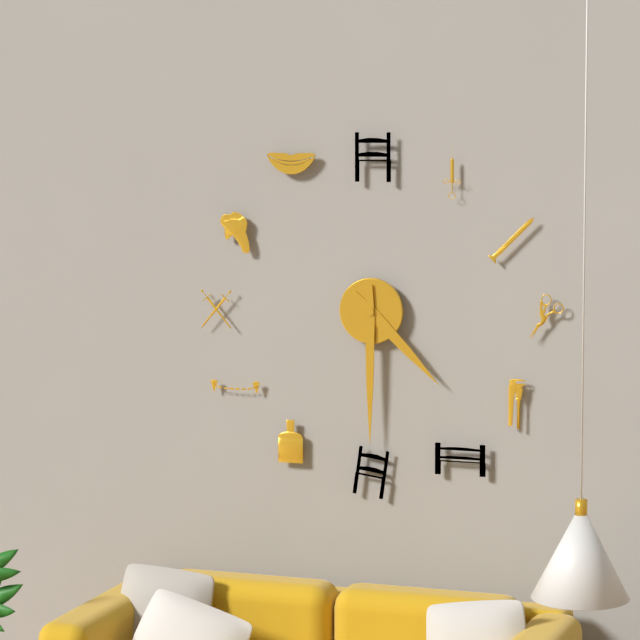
4:30
